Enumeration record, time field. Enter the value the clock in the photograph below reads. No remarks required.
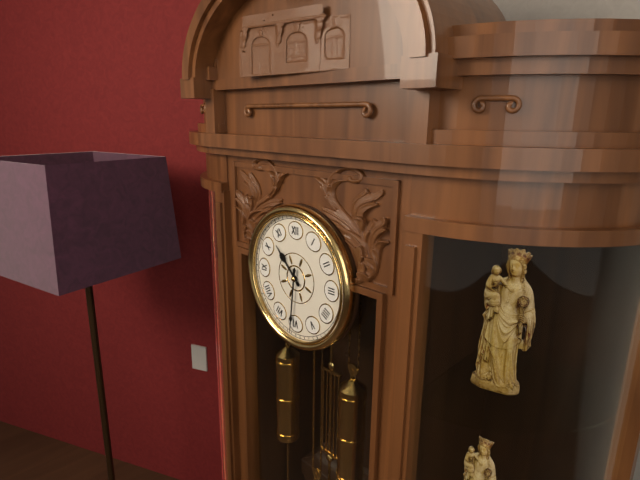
10:31
